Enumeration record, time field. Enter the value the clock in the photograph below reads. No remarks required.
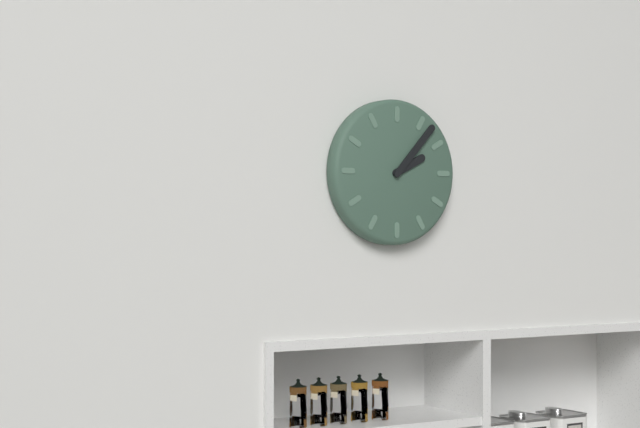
2:07
